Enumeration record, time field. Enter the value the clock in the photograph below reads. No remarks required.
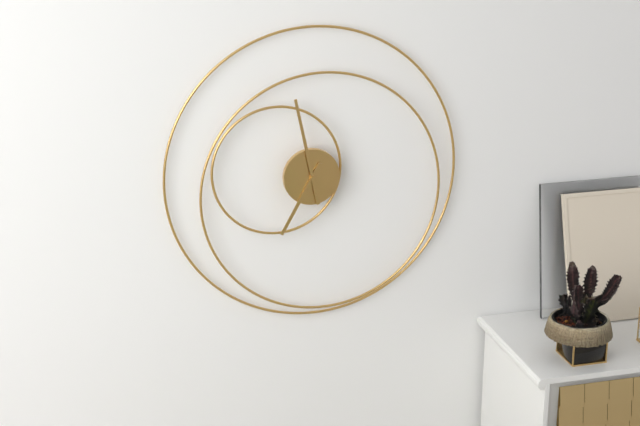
6:58
